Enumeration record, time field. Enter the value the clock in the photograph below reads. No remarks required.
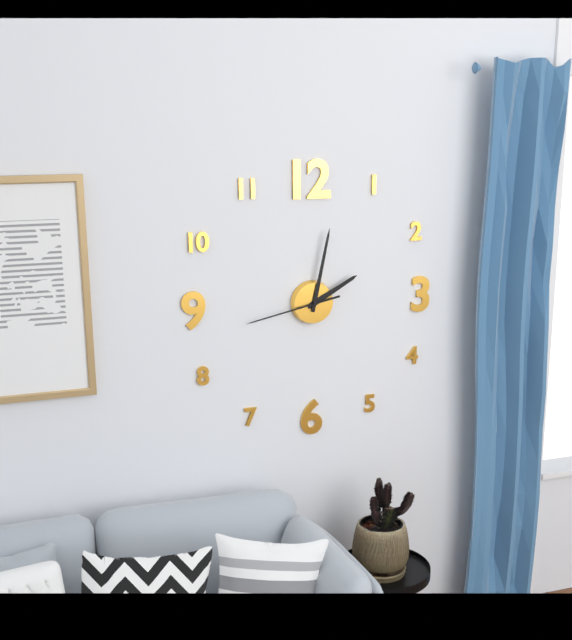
2:02:43
